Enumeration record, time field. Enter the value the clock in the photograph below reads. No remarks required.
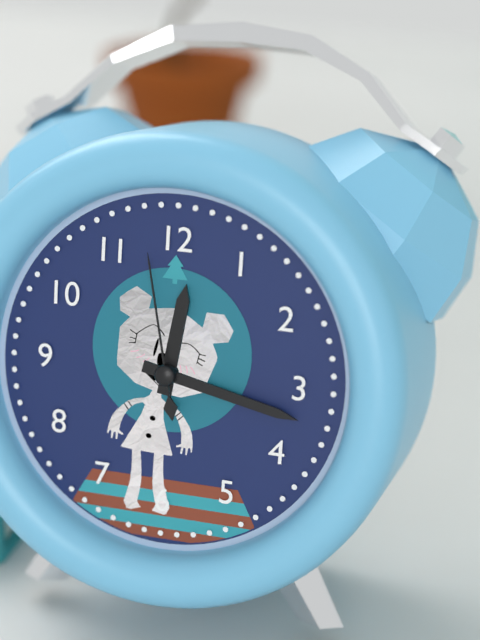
12:17:58
